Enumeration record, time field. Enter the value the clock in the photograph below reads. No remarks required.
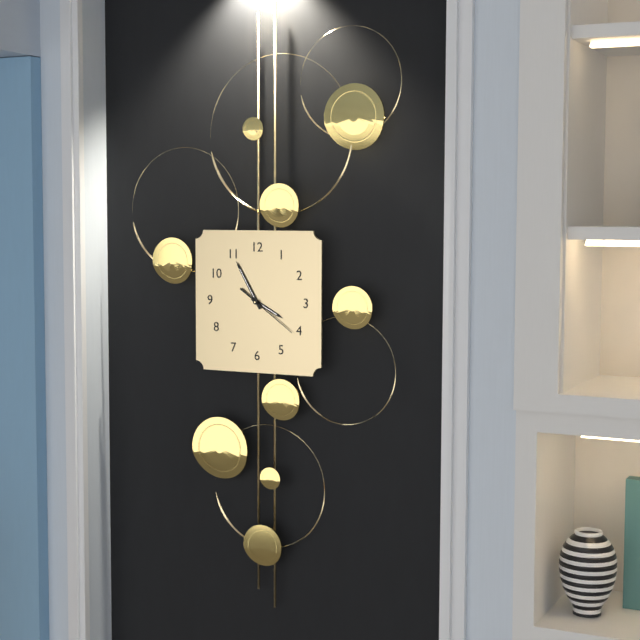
3:55:21
